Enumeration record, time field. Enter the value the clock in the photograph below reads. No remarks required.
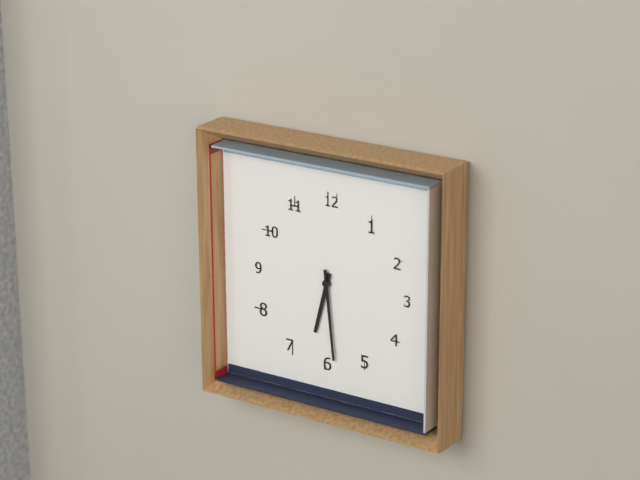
6:29
